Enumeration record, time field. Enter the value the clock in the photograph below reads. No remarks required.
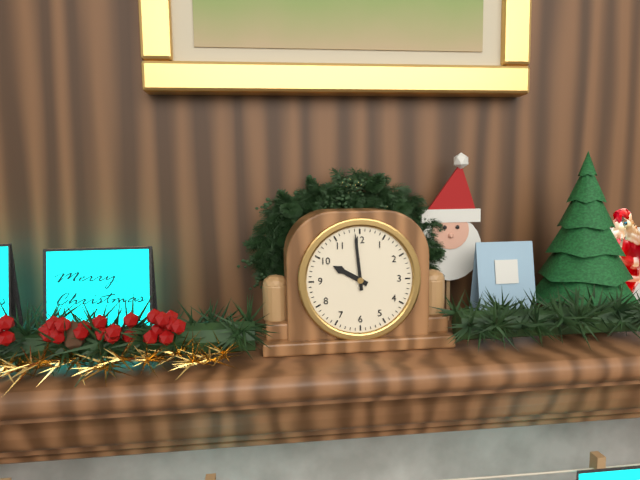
9:59
